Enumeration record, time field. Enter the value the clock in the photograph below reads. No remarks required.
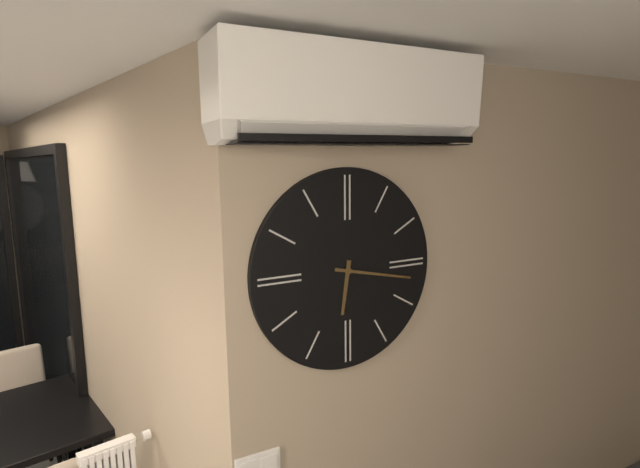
6:17
